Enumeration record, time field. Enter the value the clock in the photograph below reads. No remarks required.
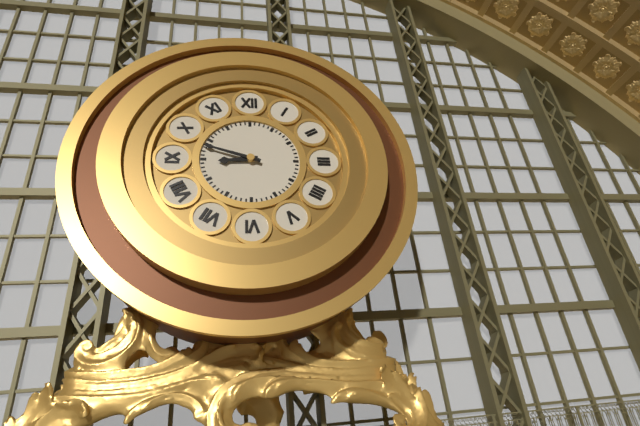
8:48
